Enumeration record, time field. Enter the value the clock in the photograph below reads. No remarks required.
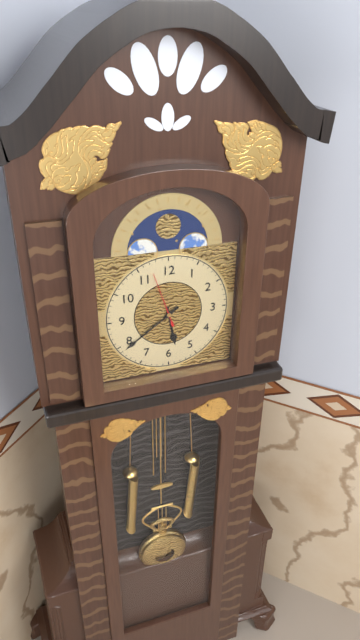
5:39:57
